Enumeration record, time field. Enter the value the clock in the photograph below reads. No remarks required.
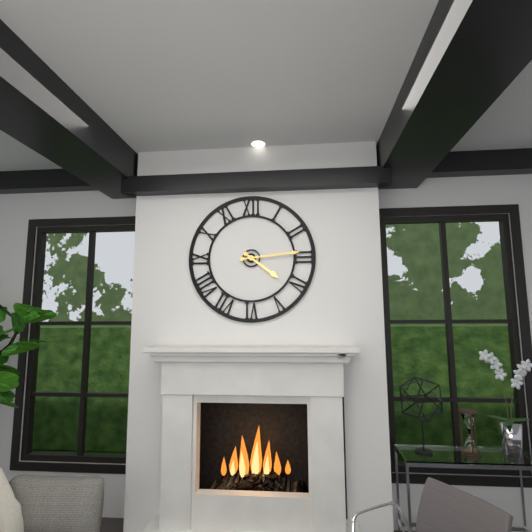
4:14
